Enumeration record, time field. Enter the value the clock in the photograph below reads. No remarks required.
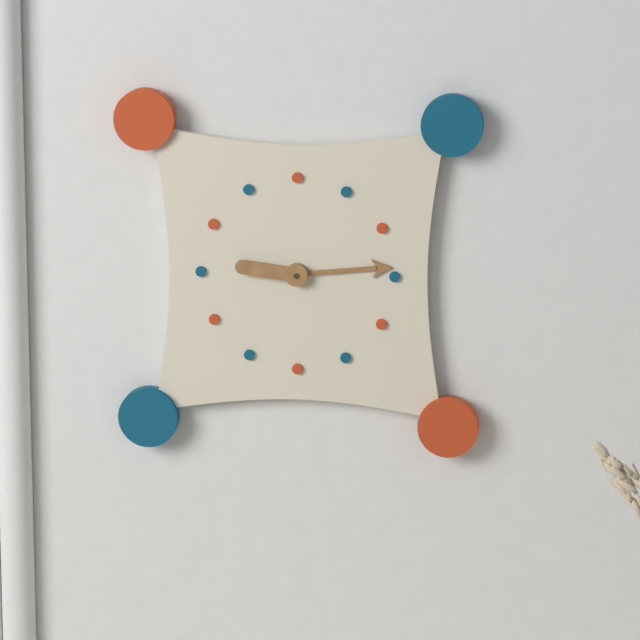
9:14
